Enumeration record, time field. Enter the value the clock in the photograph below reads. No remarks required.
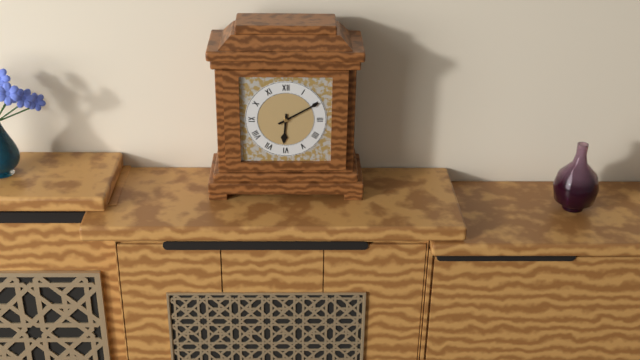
6:10
